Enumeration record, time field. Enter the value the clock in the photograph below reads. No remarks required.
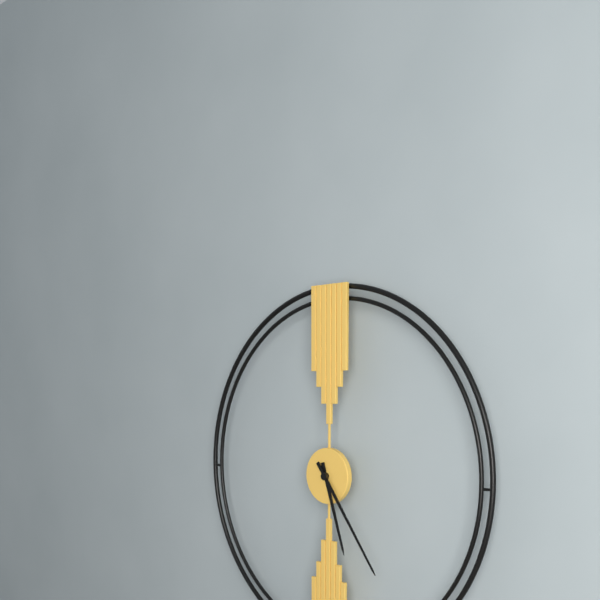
5:24
